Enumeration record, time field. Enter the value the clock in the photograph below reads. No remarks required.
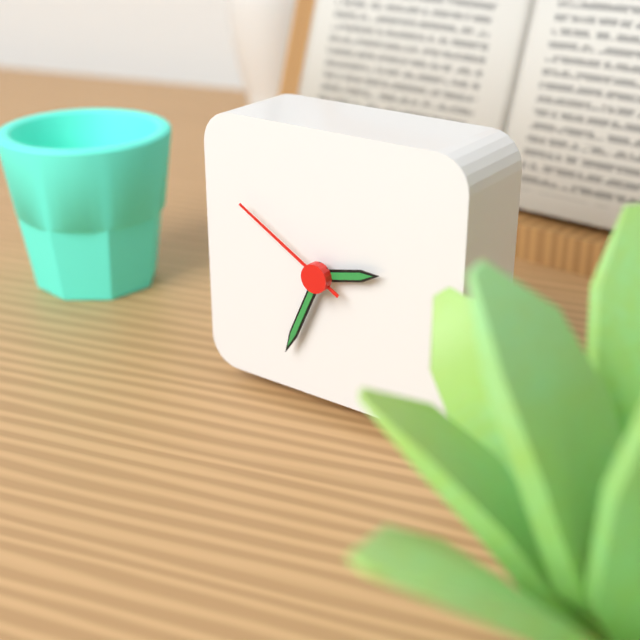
2:34:50
